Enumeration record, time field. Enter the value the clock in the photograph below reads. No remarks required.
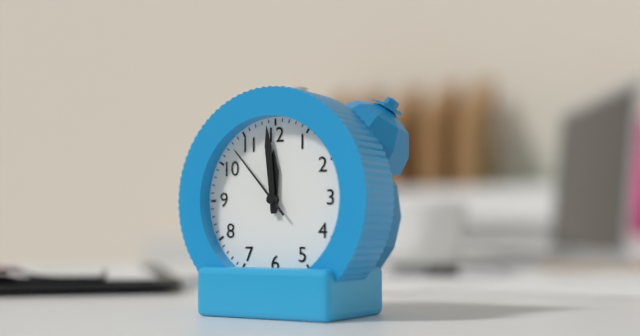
11:59:53
